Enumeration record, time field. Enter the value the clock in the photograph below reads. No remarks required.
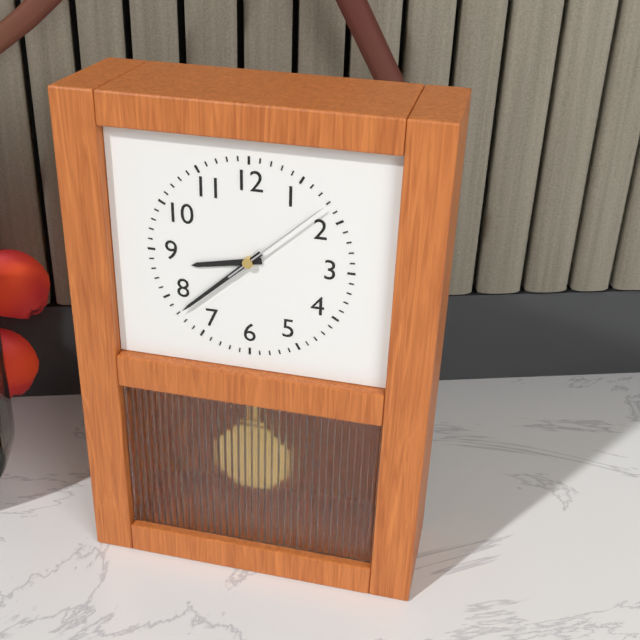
8:38:08
